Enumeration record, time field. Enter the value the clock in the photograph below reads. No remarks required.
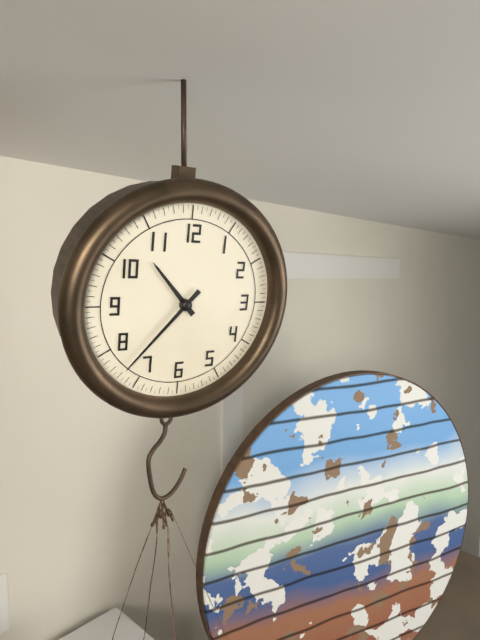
10:37
